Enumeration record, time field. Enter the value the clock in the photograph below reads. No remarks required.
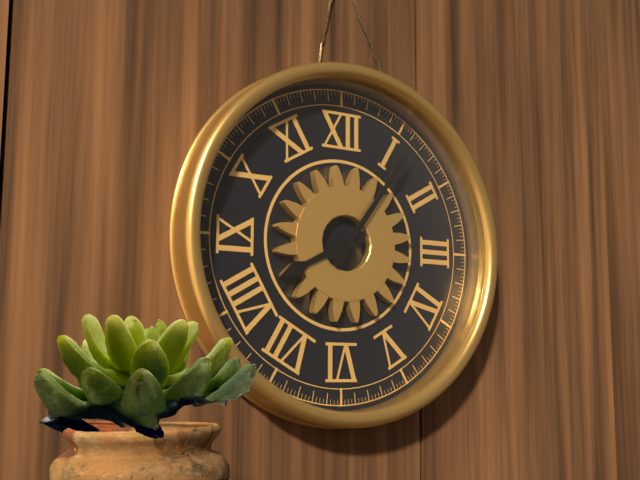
8:06
